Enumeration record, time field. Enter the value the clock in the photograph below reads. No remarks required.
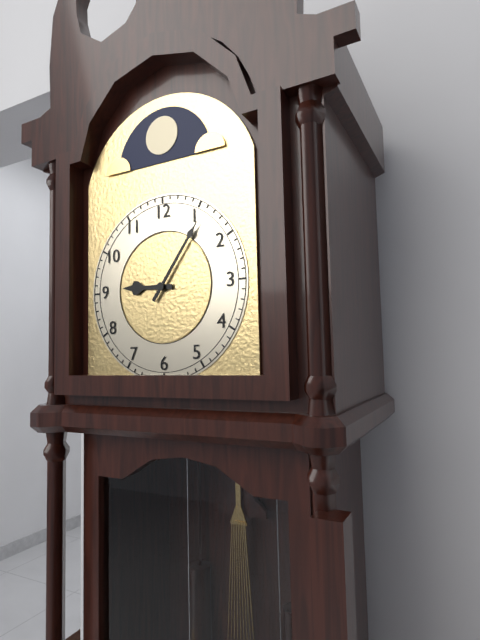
9:06
